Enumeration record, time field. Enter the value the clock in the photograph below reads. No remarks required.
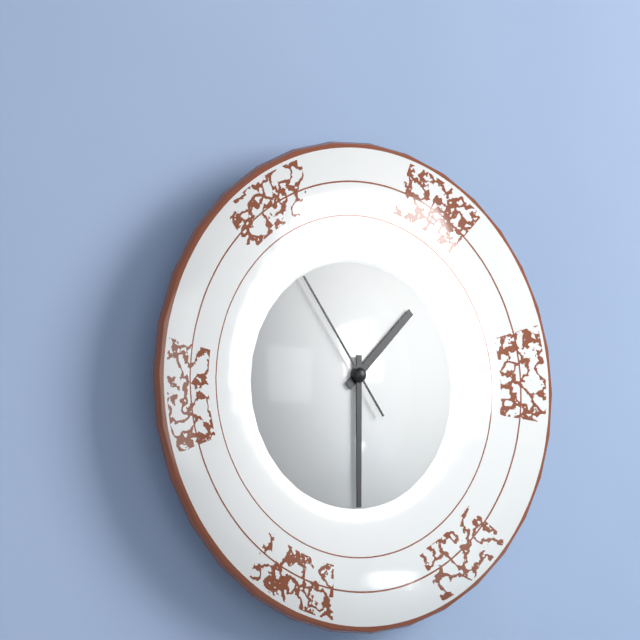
1:30:54
